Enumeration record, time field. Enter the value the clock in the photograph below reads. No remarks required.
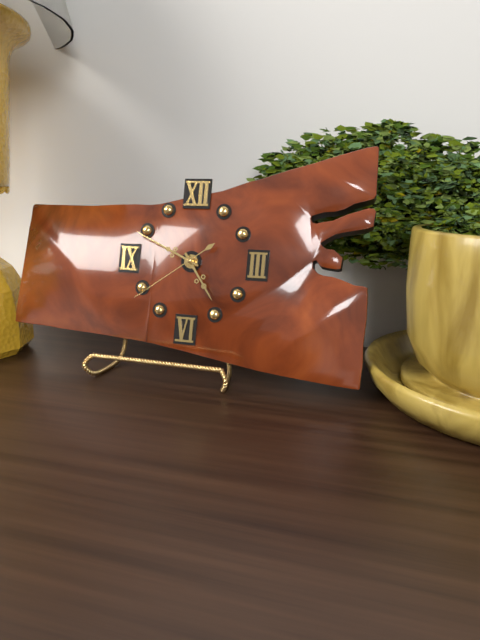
4:49:39
